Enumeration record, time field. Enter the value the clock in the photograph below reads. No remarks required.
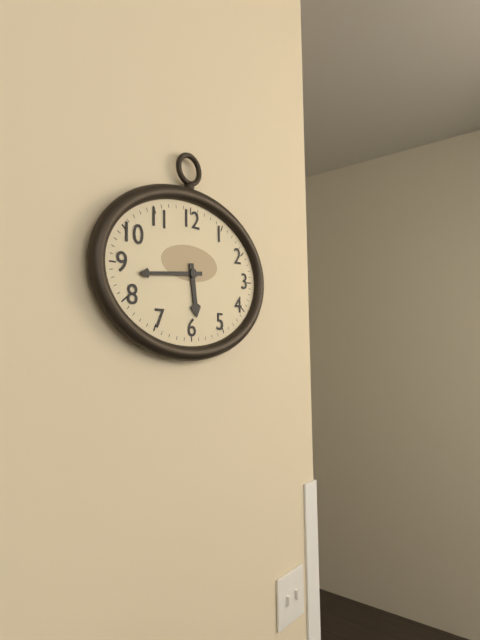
5:44
